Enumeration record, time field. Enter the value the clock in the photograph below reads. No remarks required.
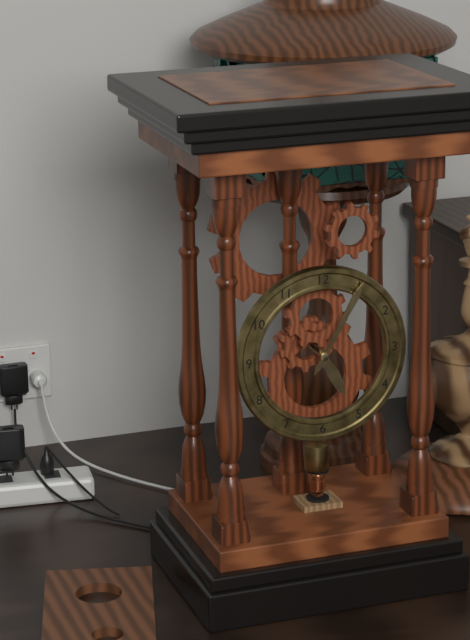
5:05
